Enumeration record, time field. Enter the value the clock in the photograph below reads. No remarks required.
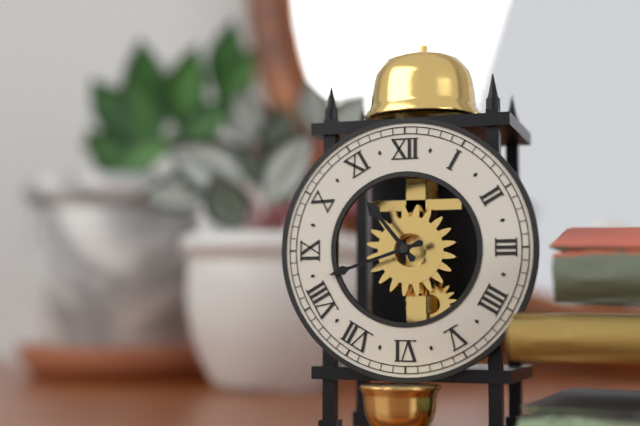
10:42
